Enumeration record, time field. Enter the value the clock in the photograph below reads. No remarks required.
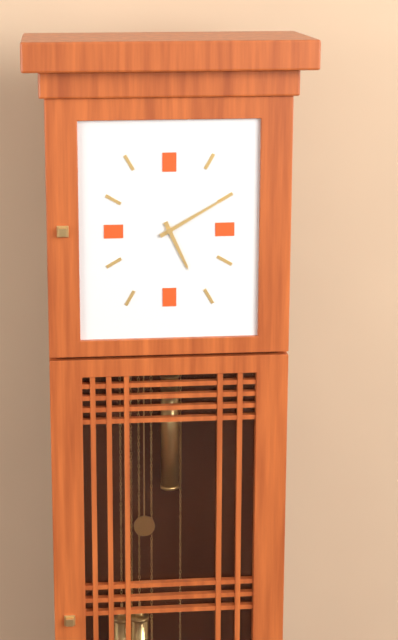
5:10
